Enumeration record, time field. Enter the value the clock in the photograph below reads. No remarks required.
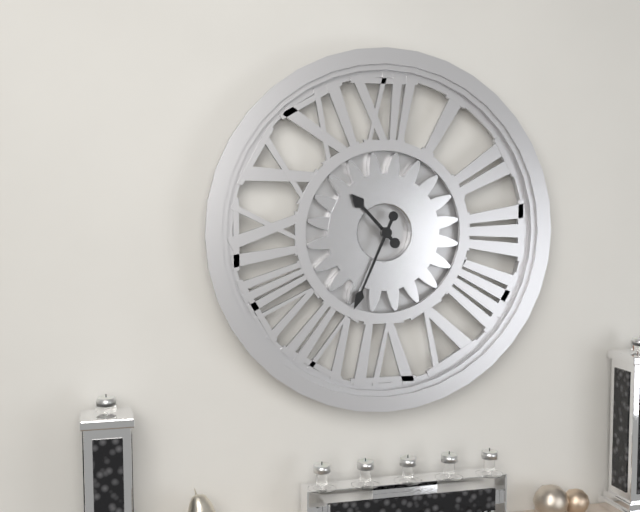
10:34
